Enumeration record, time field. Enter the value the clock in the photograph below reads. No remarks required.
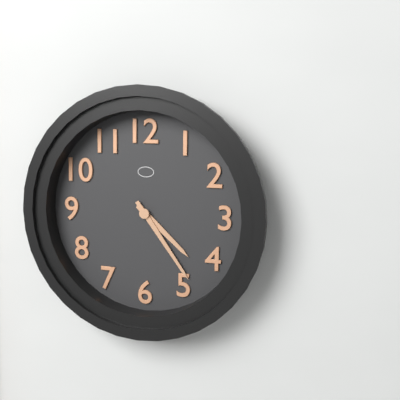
4:24
